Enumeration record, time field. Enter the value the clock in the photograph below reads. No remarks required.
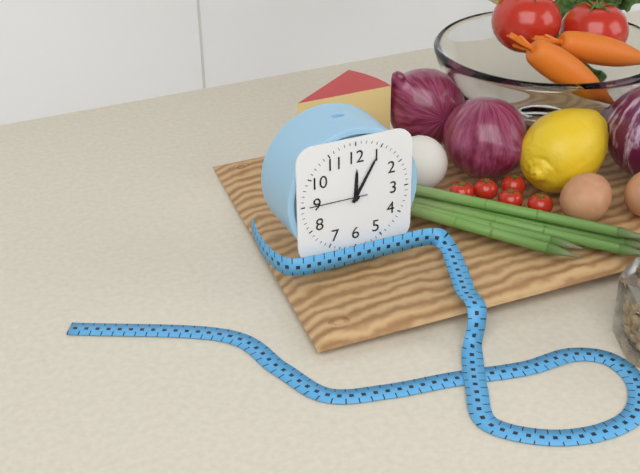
12:05:45
